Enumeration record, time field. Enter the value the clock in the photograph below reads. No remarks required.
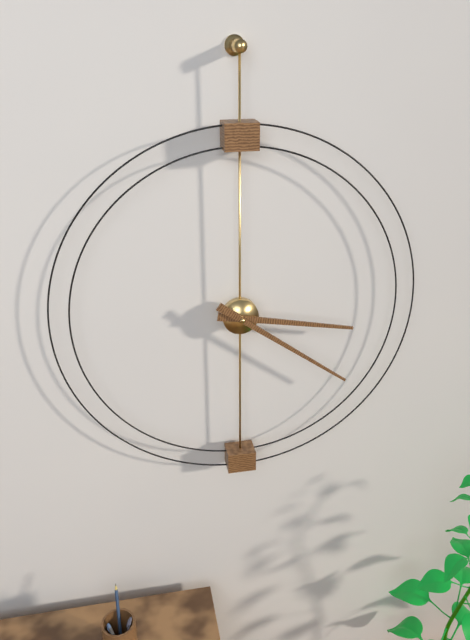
3:21
